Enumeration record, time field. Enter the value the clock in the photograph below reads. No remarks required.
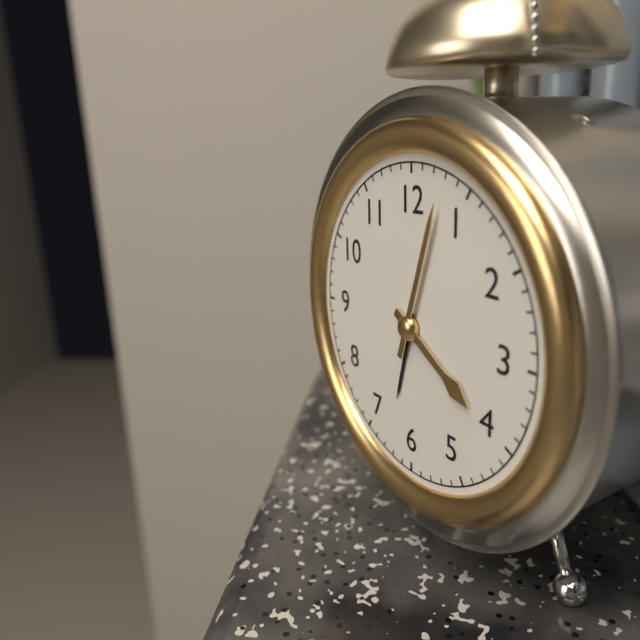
4:03
